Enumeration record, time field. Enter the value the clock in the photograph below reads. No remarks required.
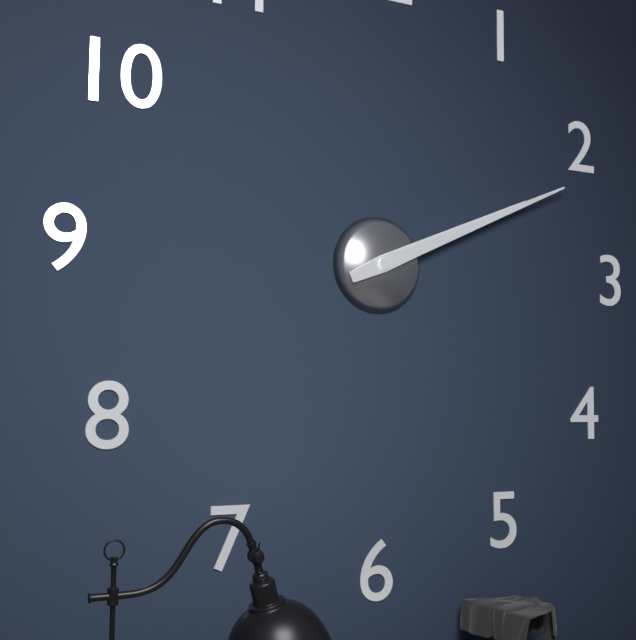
2:11
